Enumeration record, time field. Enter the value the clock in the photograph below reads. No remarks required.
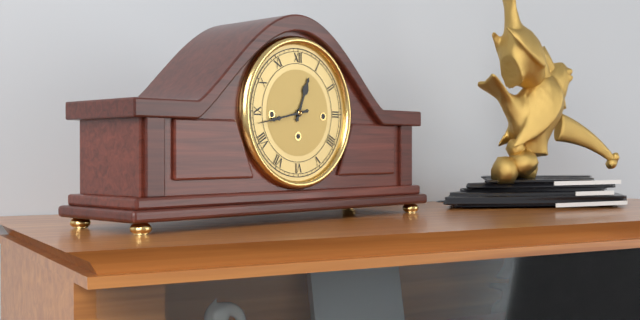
12:43
